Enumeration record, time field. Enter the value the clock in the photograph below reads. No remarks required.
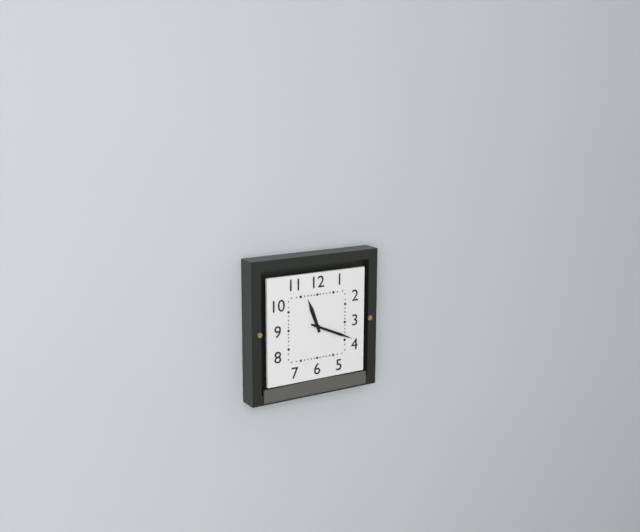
11:19
